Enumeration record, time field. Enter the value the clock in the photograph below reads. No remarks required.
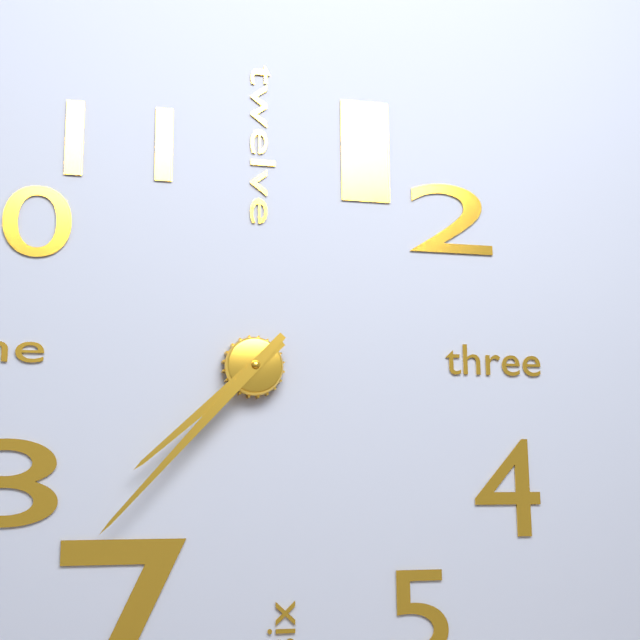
7:37
